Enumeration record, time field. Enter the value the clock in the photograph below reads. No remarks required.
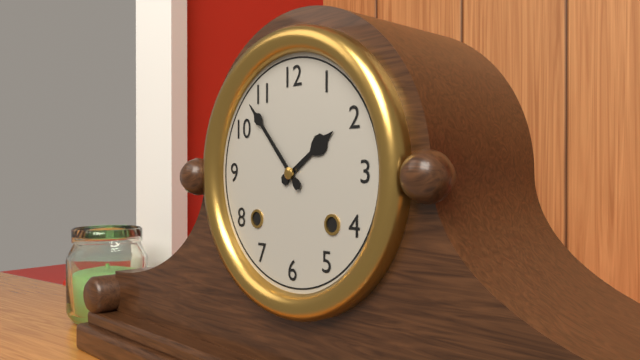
1:53
